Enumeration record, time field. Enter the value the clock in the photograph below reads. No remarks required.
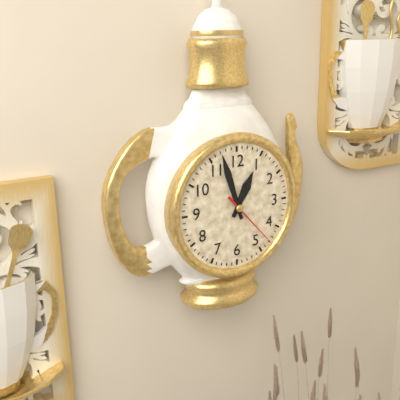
12:57:23
